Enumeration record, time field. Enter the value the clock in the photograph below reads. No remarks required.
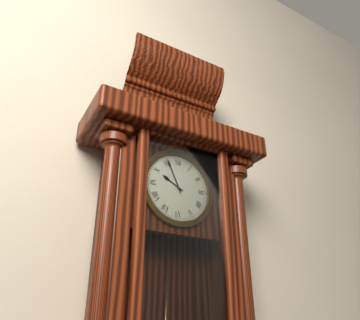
9:56
